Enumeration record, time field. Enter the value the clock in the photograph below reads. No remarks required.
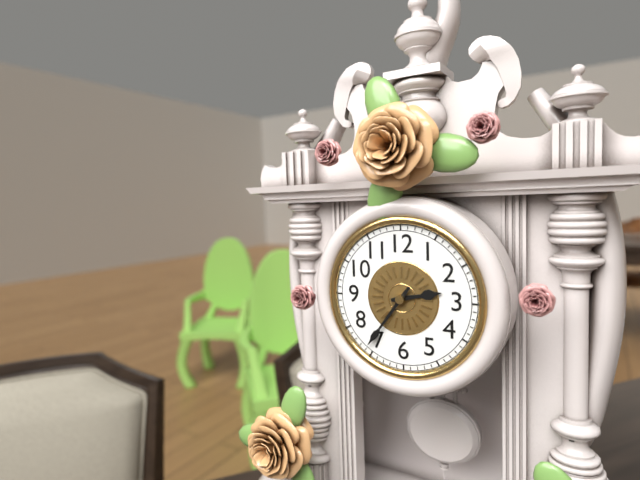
2:36
